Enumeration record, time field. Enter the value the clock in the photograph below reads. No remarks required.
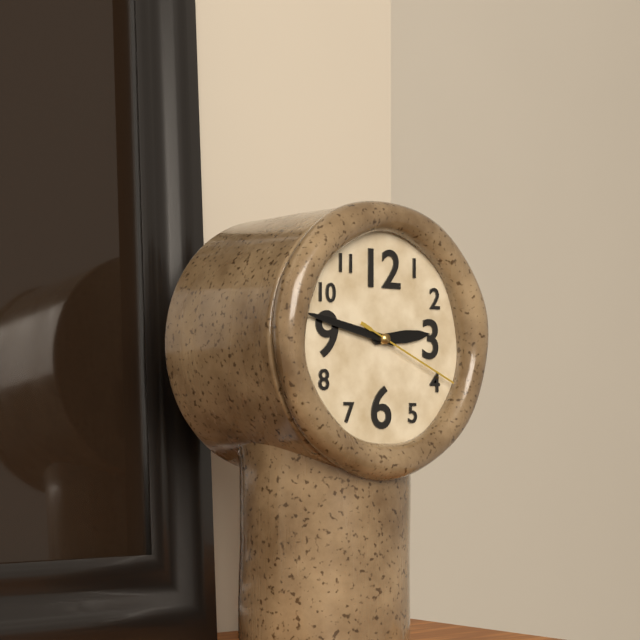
2:47:19
